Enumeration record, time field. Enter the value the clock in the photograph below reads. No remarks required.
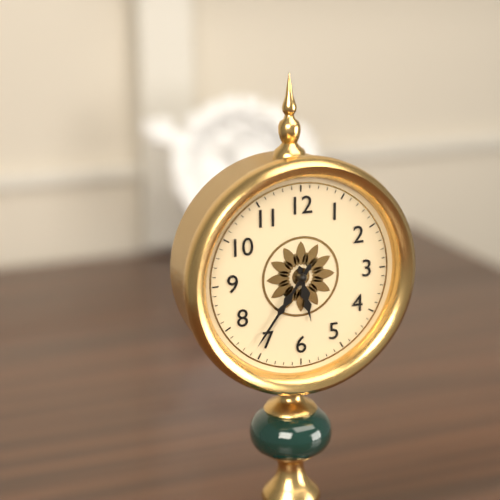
5:36
